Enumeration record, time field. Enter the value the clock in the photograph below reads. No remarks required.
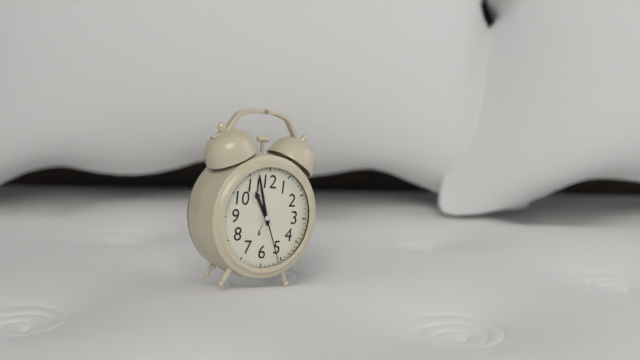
10:57:26
